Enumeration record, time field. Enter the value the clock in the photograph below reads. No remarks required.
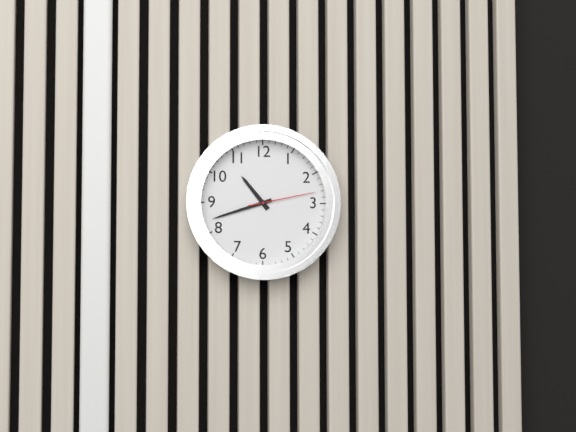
10:42:13
